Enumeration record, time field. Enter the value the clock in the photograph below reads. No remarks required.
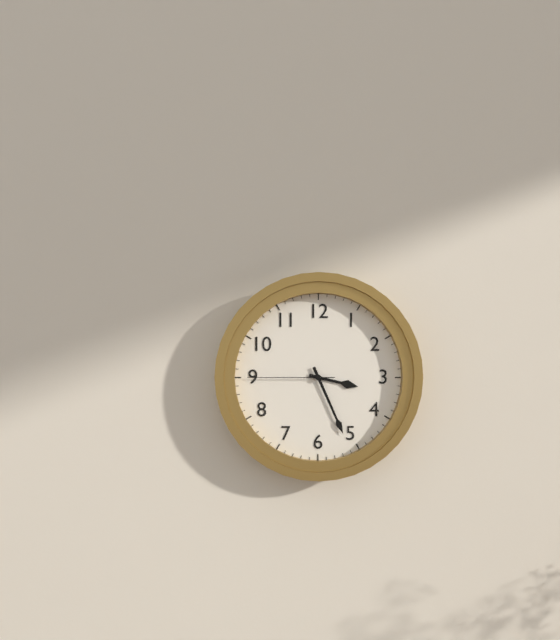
3:26:45
